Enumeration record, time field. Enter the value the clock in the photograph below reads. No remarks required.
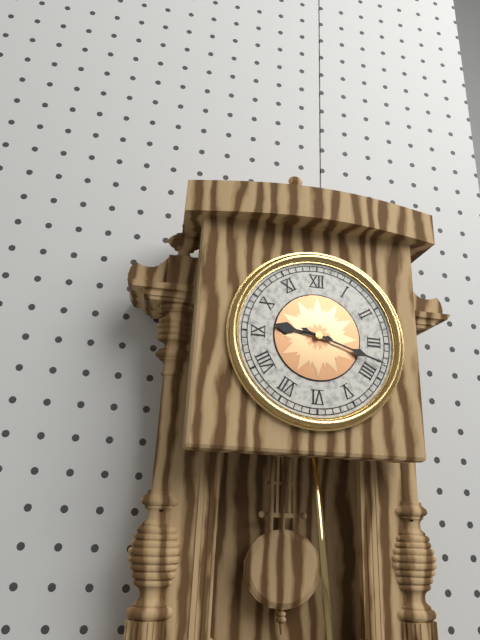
9:18
